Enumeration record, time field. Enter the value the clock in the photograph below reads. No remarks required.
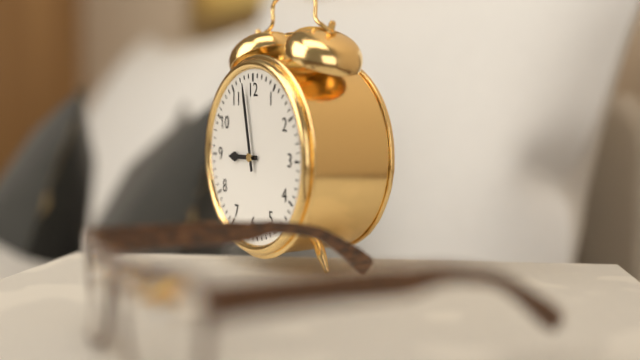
8:58
